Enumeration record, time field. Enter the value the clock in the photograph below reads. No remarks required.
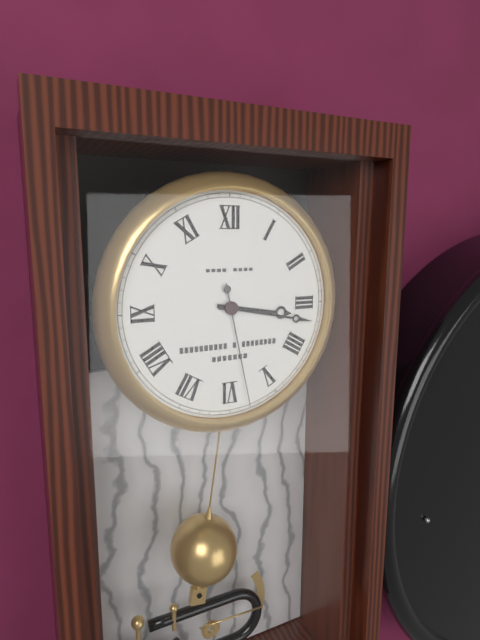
3:17:28
